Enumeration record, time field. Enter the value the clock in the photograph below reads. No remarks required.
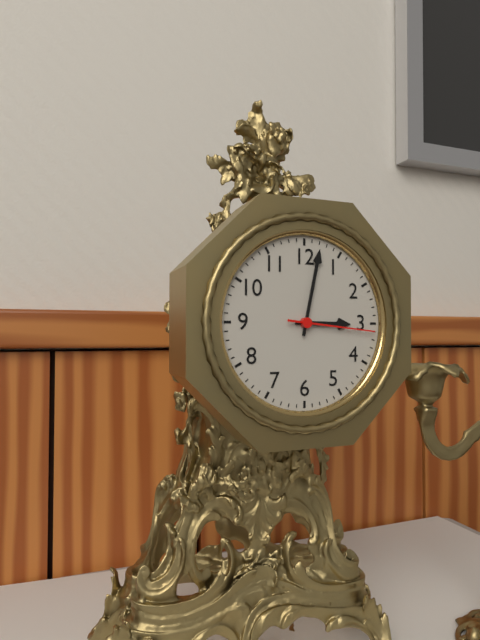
3:02:16
